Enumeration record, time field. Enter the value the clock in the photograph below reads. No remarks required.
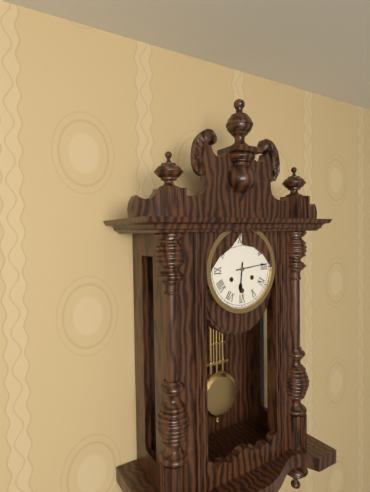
6:14
